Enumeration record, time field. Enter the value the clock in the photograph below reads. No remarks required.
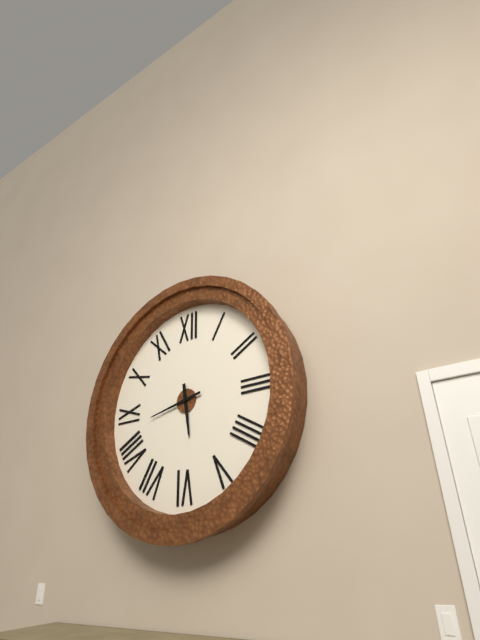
5:43
